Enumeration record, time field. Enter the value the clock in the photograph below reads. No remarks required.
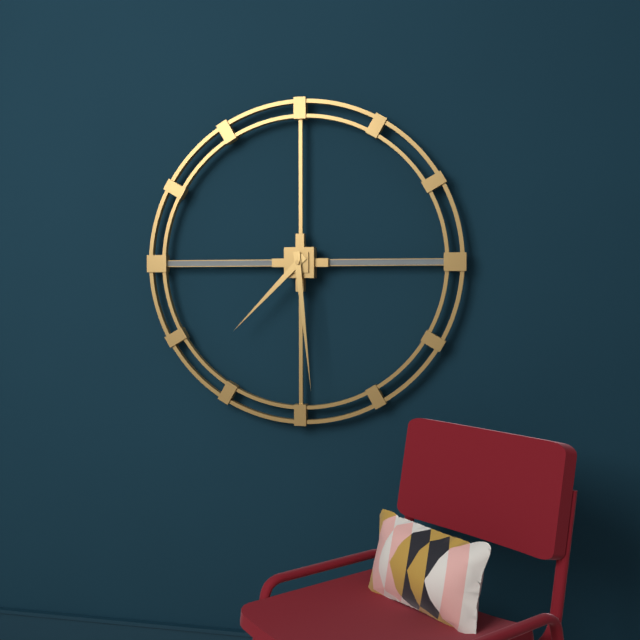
7:29
